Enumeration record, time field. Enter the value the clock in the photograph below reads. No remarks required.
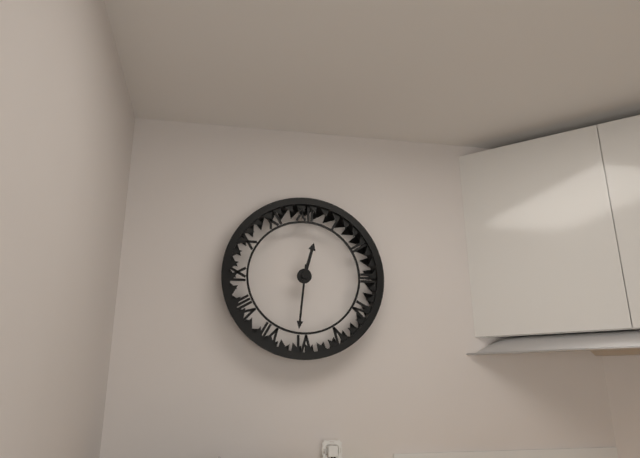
12:31
